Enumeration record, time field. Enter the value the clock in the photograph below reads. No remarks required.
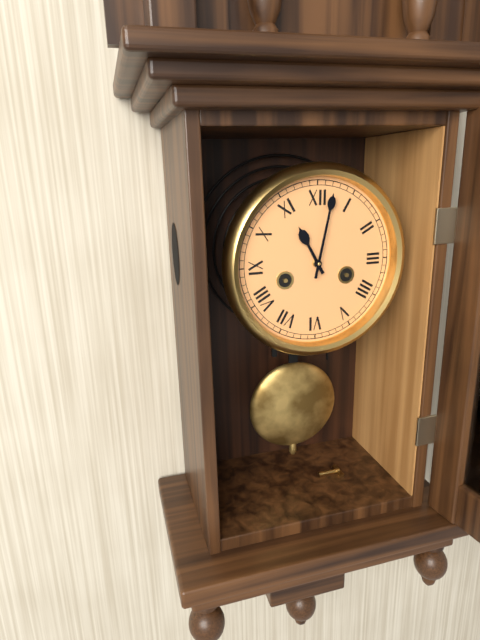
11:02
